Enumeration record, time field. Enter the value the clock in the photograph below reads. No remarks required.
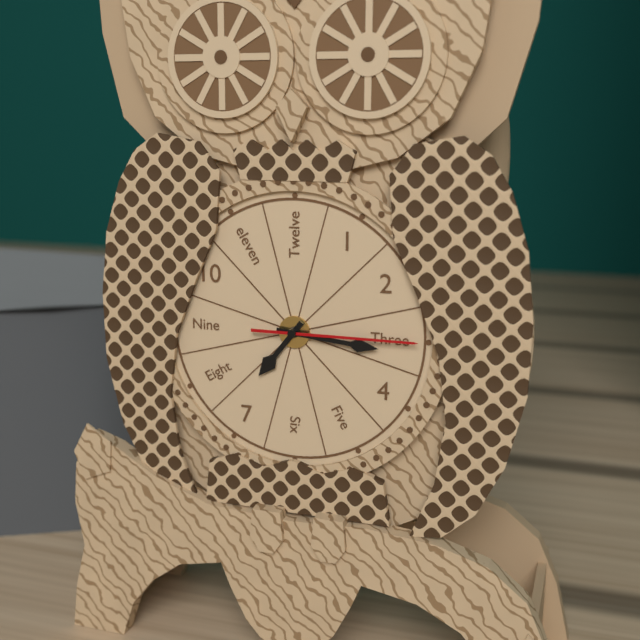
7:16:15
